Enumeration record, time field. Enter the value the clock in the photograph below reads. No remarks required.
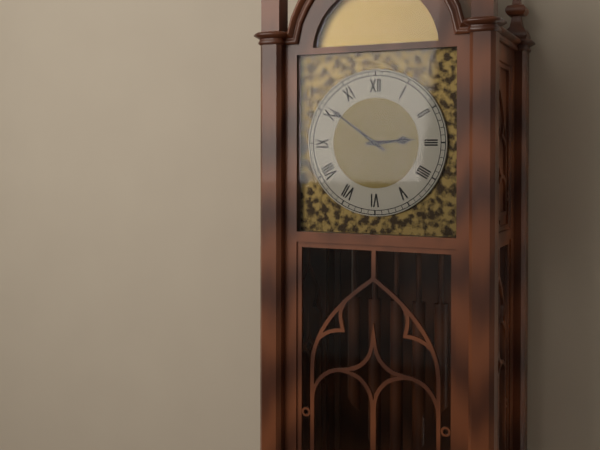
2:51
